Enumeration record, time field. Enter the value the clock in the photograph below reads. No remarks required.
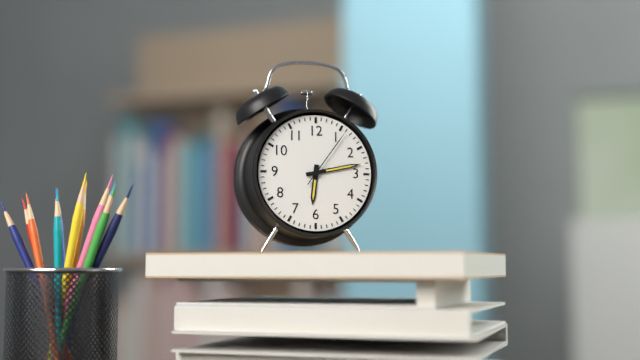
6:13:06
